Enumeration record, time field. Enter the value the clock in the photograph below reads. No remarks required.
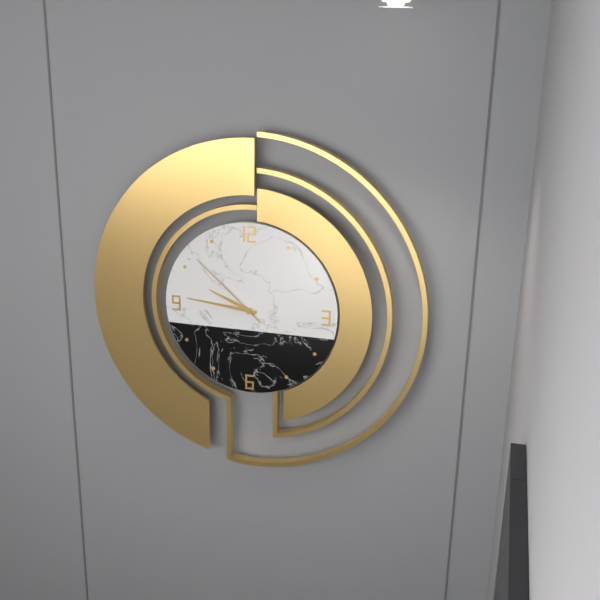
9:46:52
